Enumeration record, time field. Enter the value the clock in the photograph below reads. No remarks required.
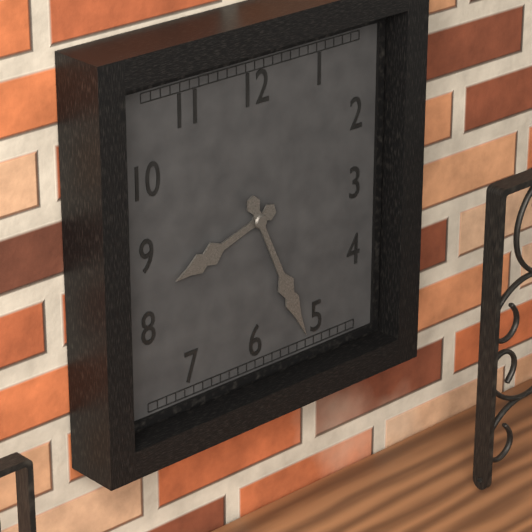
8:26
